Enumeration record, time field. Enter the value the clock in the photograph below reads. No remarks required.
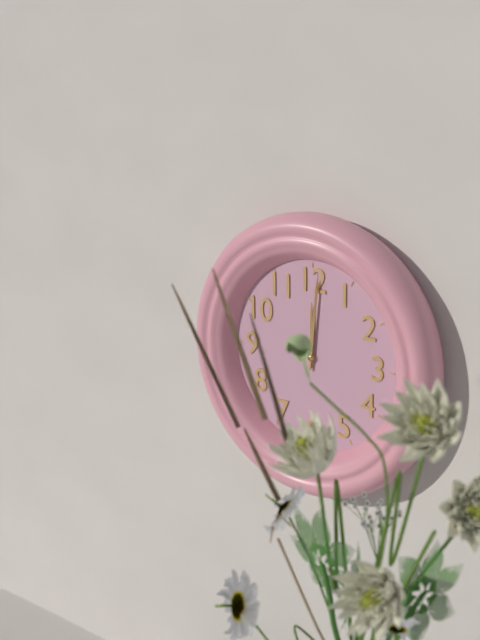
12:01
